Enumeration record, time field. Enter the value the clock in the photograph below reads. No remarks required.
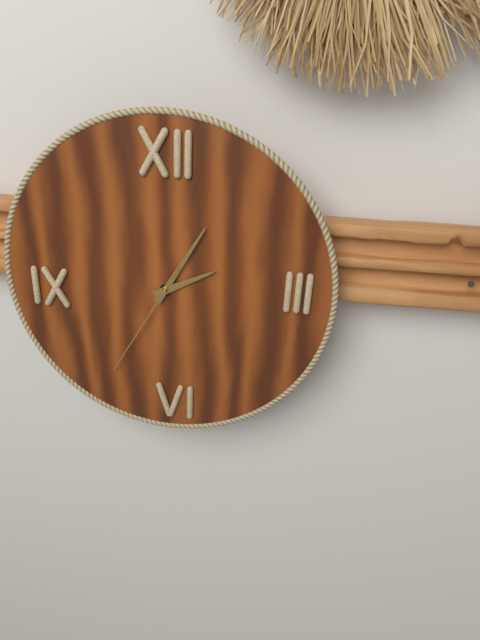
2:05:35
